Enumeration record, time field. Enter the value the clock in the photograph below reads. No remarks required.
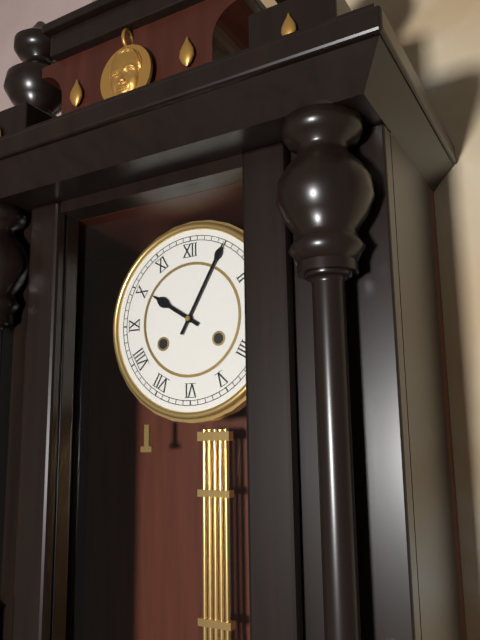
10:05
